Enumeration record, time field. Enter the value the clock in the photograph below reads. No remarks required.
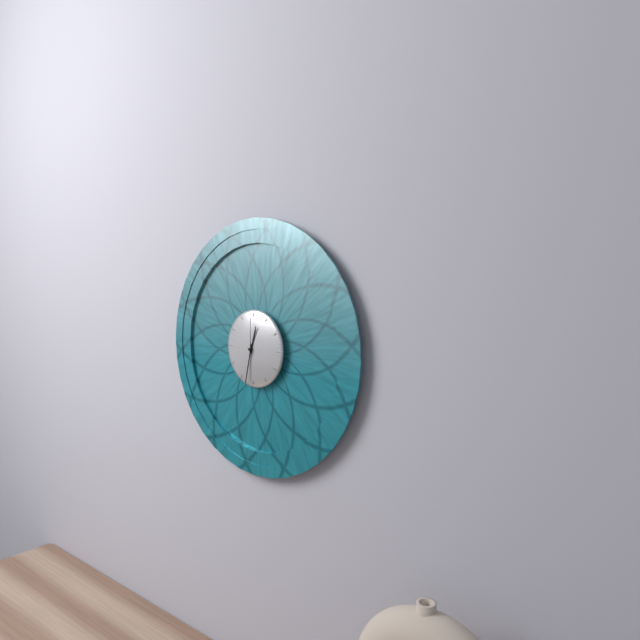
12:32
